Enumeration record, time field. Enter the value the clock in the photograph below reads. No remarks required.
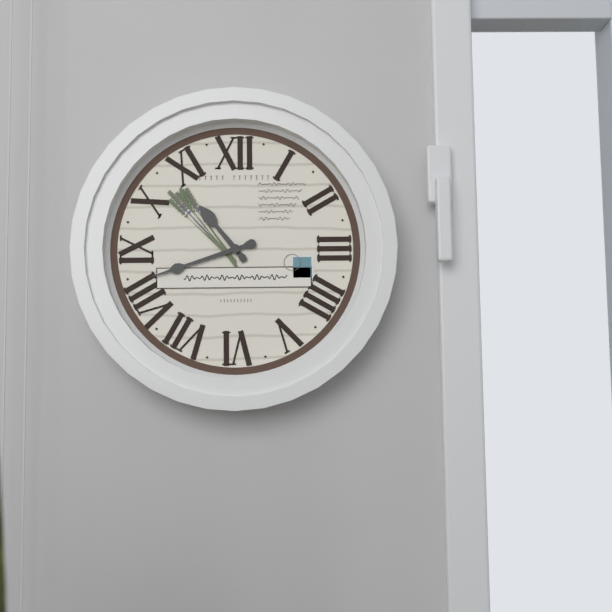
10:42
